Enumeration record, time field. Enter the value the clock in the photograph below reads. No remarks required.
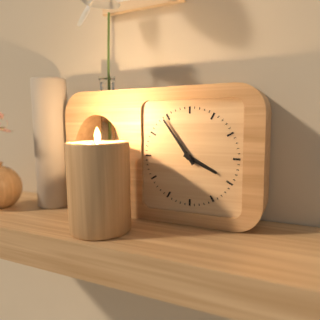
3:54
